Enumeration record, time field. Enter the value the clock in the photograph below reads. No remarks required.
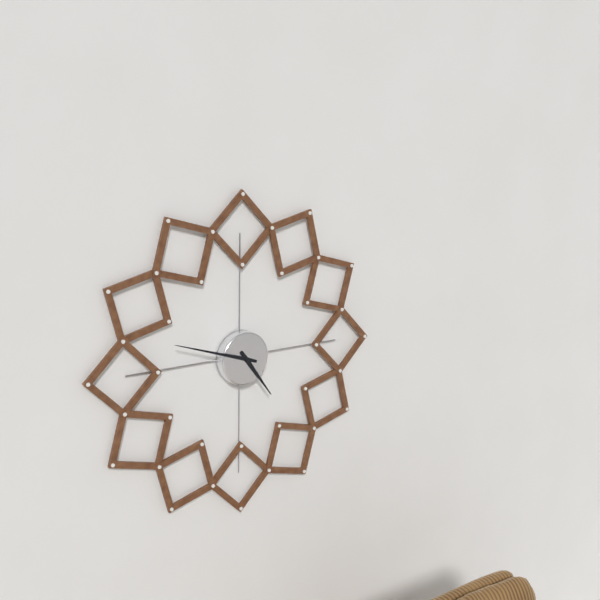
4:48
